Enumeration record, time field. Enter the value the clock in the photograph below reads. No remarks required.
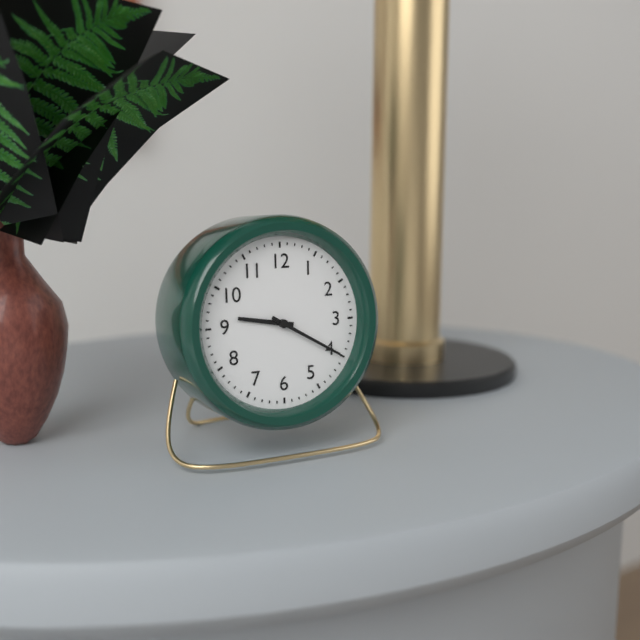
9:20
